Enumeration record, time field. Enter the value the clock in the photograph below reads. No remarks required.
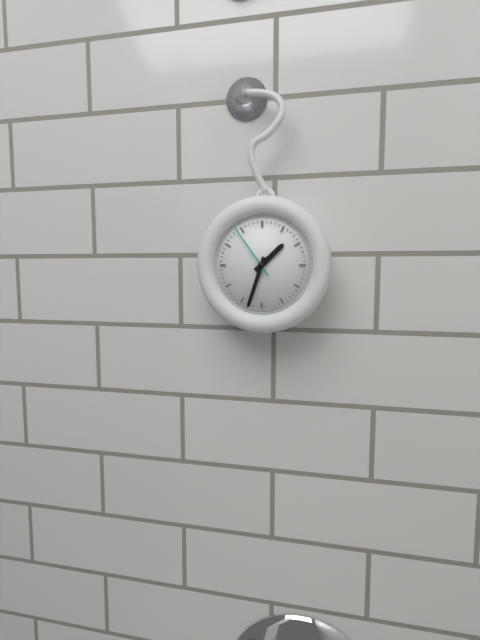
1:33:54
